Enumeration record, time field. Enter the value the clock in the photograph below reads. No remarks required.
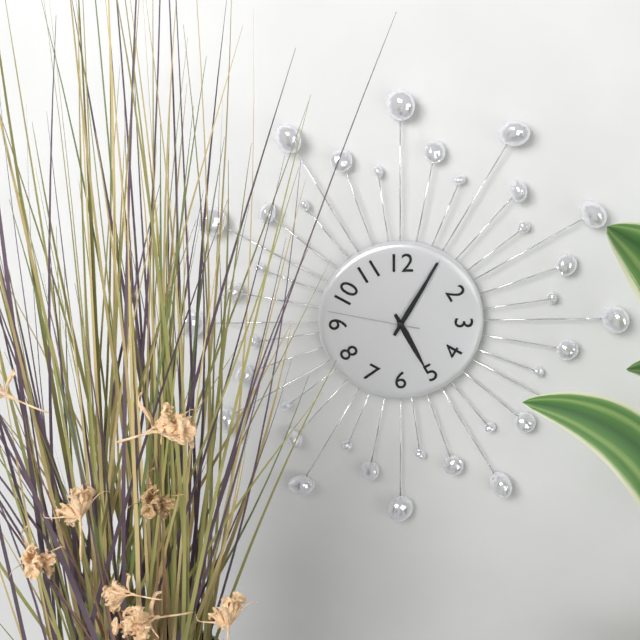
5:05:47
